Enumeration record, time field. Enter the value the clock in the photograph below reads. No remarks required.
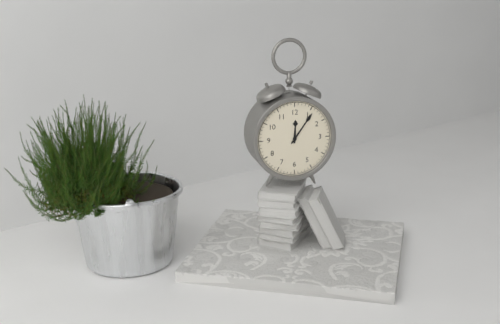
12:06
